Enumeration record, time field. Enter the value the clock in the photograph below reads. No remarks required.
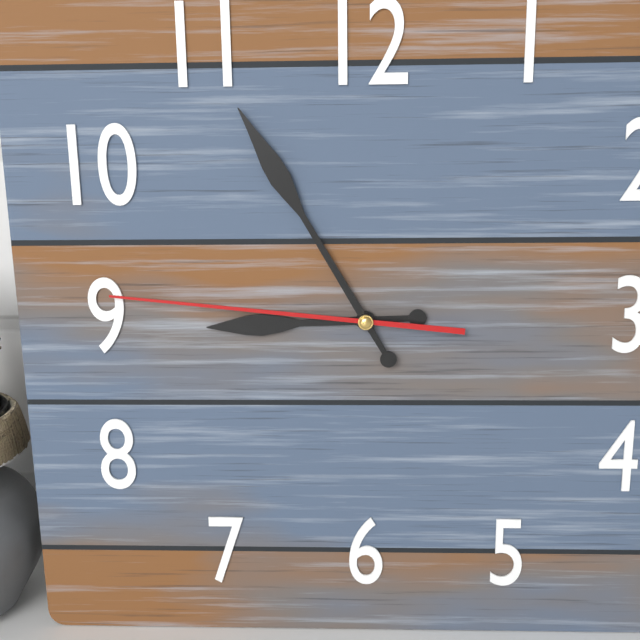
8:55:46
